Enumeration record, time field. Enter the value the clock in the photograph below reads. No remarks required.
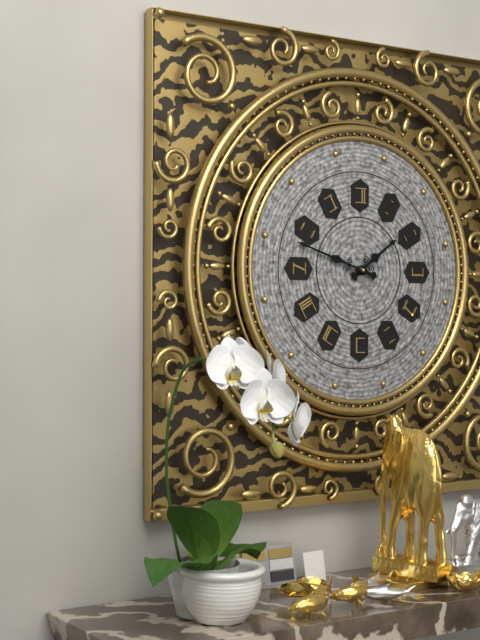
1:48
